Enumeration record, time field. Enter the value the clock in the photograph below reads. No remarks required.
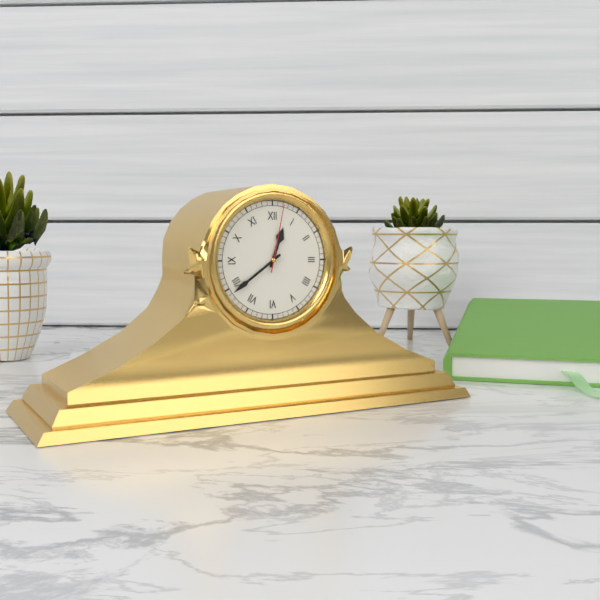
12:39:02
